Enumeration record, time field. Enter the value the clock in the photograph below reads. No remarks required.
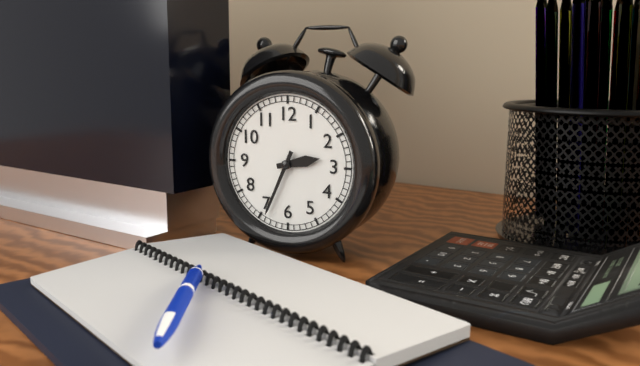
2:34
